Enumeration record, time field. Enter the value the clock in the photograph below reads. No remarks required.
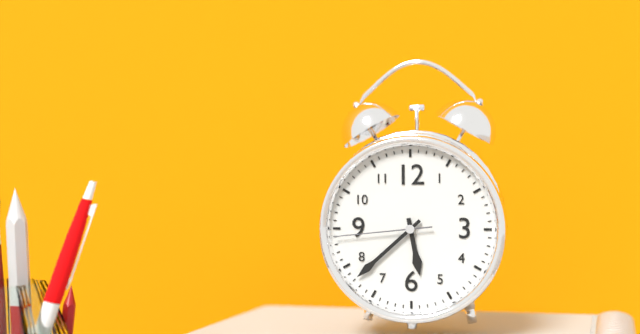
5:38:44
